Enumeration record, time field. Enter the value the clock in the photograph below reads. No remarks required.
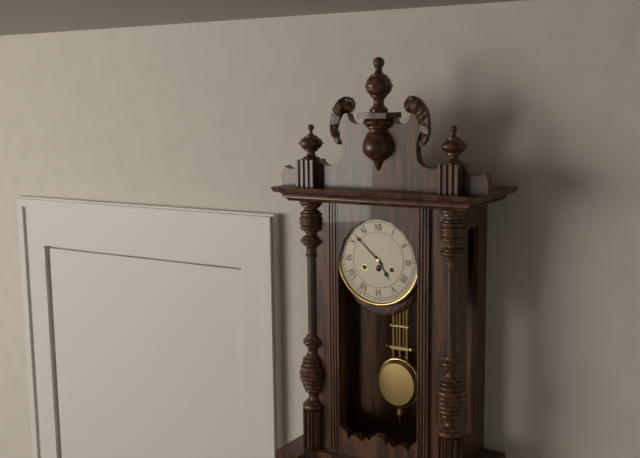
4:52
